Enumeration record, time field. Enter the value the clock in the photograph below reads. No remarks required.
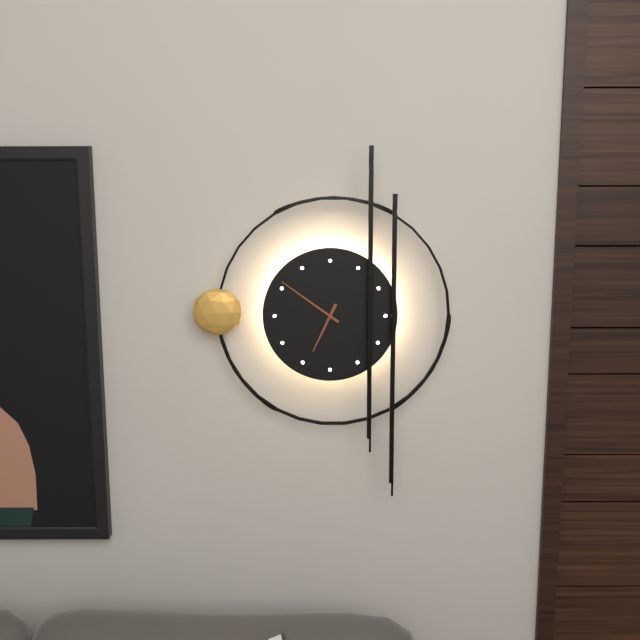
6:51
